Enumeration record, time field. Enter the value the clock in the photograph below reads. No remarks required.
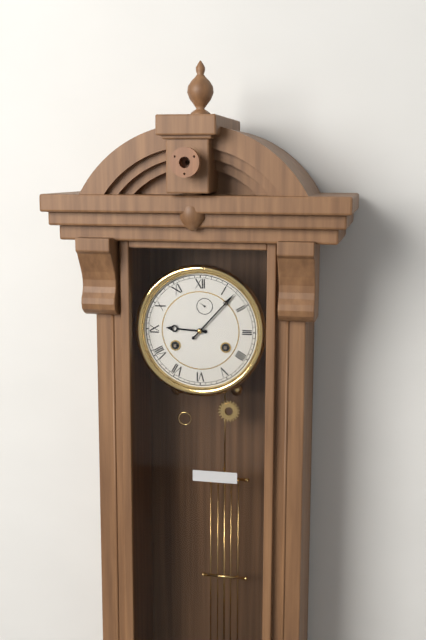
9:07
